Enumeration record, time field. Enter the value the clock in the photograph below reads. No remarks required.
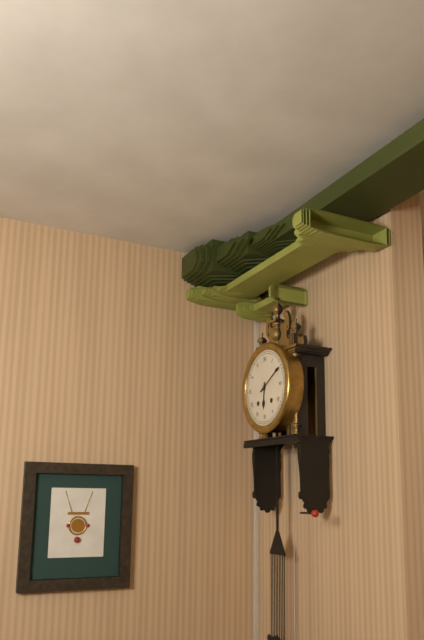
6:10
